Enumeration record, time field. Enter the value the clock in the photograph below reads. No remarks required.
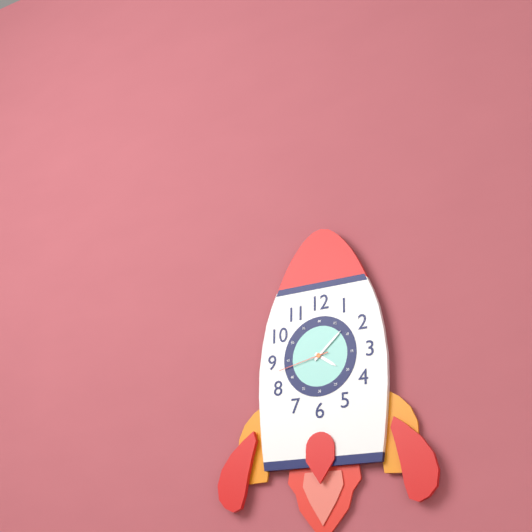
4:08:43
